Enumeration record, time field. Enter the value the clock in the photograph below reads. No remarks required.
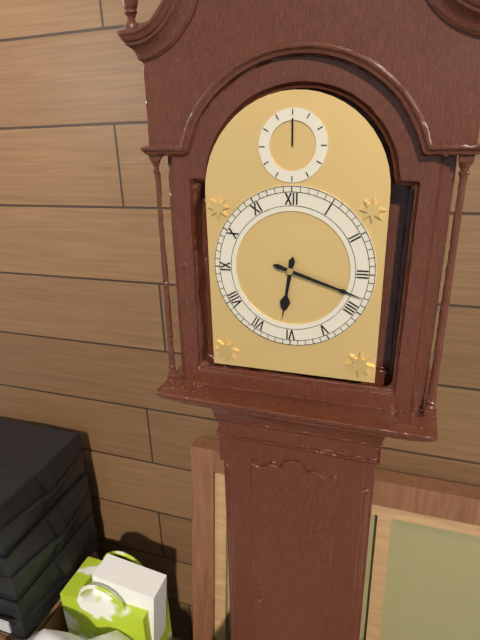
6:18
